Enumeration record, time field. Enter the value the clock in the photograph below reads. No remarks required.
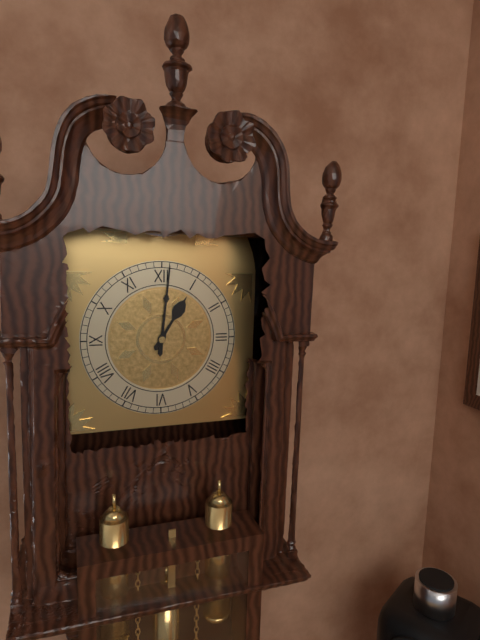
1:01
